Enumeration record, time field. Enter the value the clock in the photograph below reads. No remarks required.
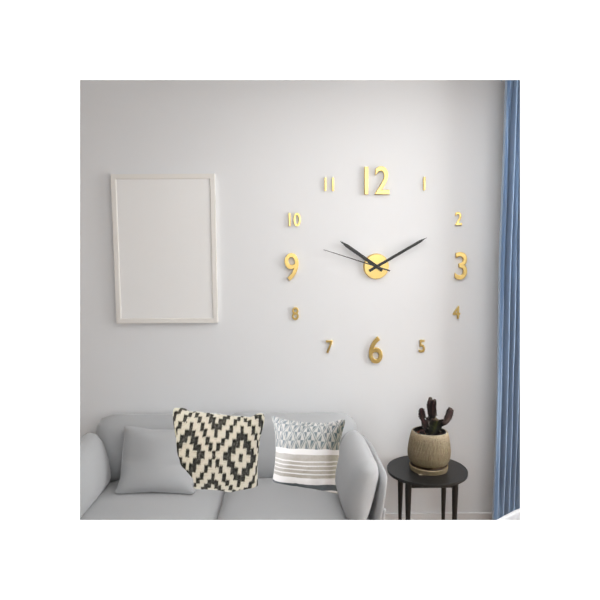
10:10:48
